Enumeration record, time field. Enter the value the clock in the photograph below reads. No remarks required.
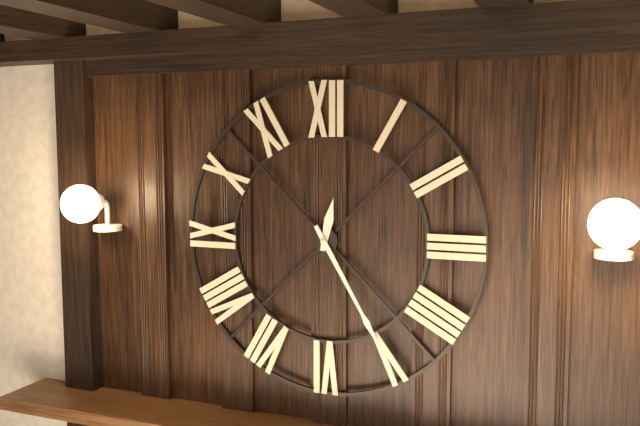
12:25
